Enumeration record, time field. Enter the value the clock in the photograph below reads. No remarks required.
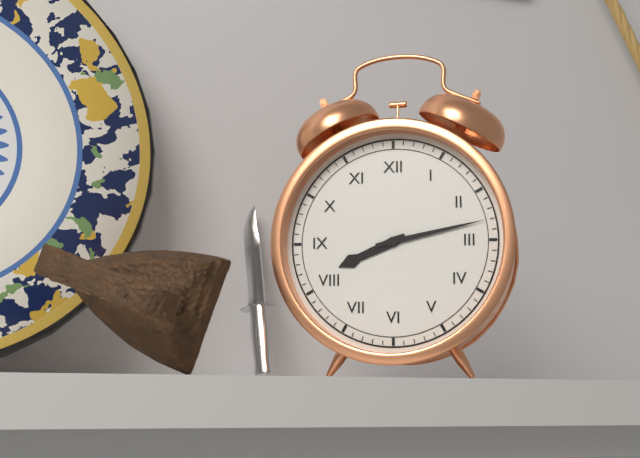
8:13
